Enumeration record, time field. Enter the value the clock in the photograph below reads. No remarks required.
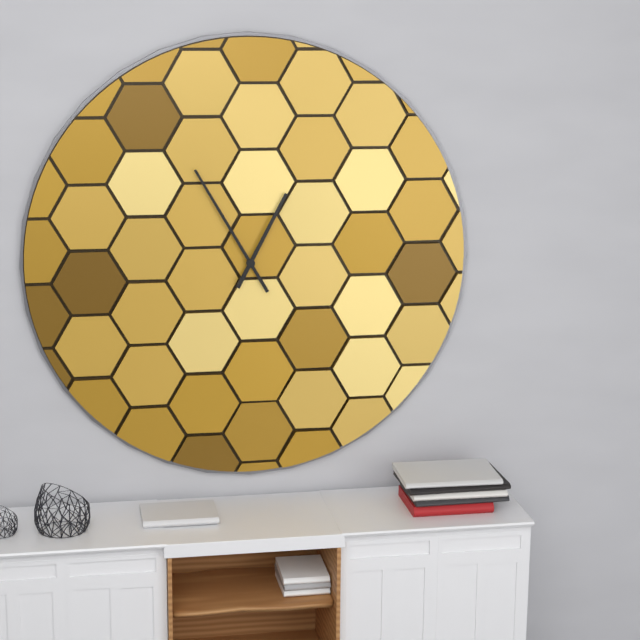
12:55
